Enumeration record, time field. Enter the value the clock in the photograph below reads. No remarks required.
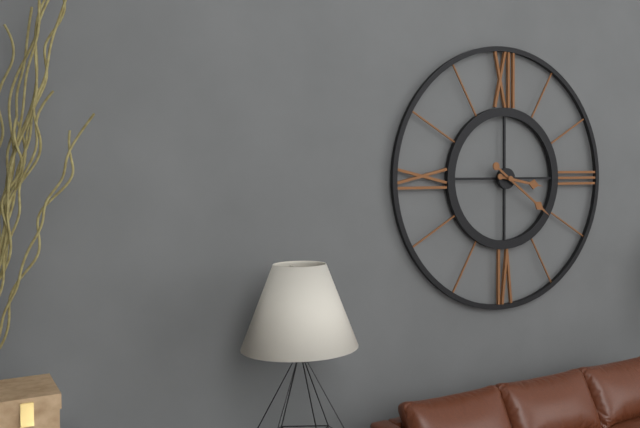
3:21
